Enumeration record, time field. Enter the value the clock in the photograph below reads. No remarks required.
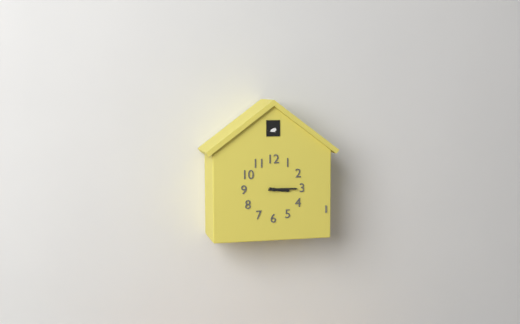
3:15
